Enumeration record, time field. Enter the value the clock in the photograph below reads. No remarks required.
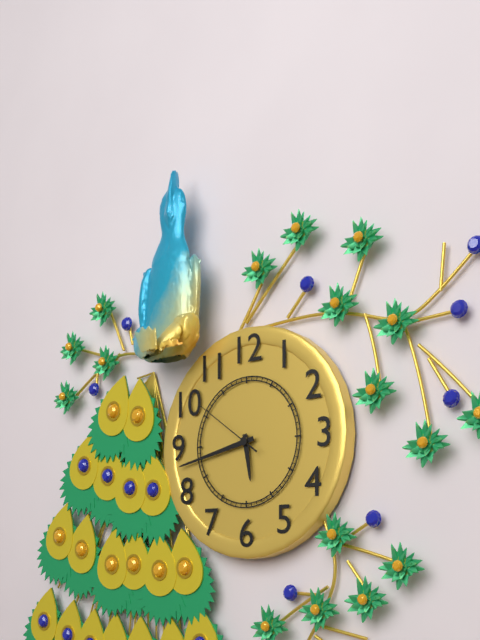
5:43:51
